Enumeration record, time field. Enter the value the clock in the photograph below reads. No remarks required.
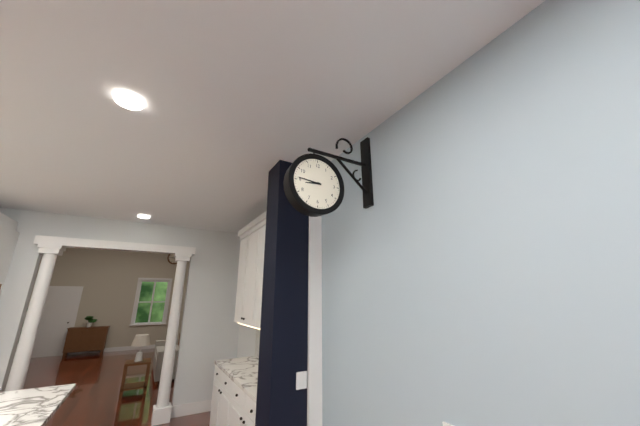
8:46
